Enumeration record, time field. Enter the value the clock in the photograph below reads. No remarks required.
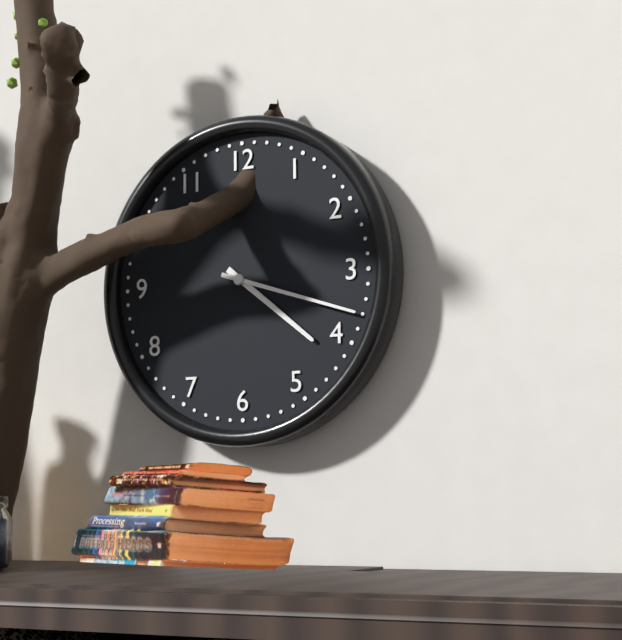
4:18
